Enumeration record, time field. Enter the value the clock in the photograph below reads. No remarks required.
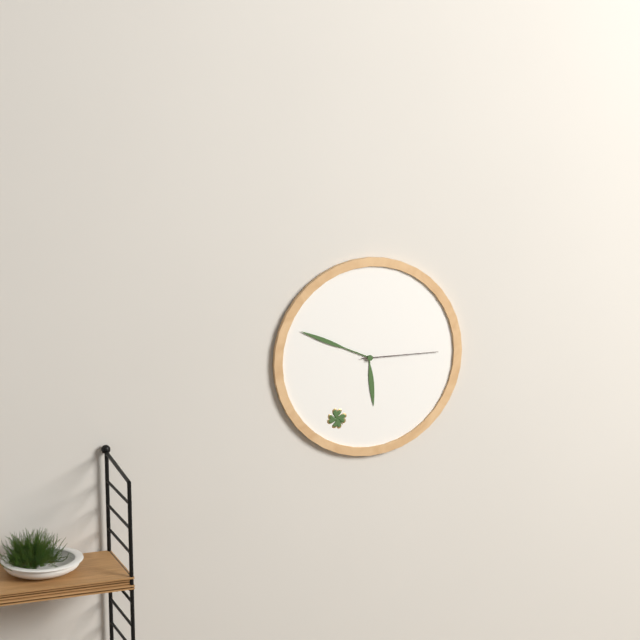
5:49:15
